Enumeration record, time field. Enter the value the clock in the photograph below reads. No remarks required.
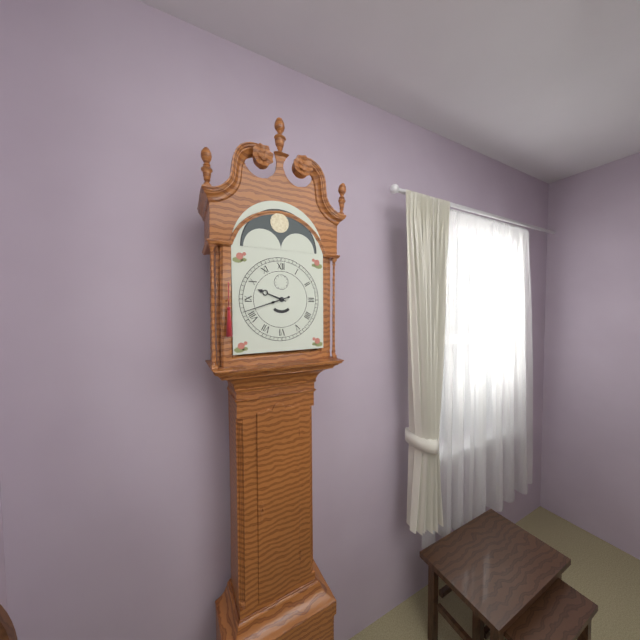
9:42
